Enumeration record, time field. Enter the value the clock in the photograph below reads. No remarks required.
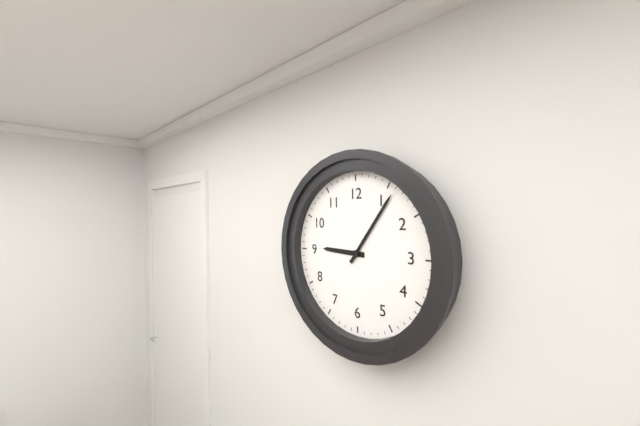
9:06
